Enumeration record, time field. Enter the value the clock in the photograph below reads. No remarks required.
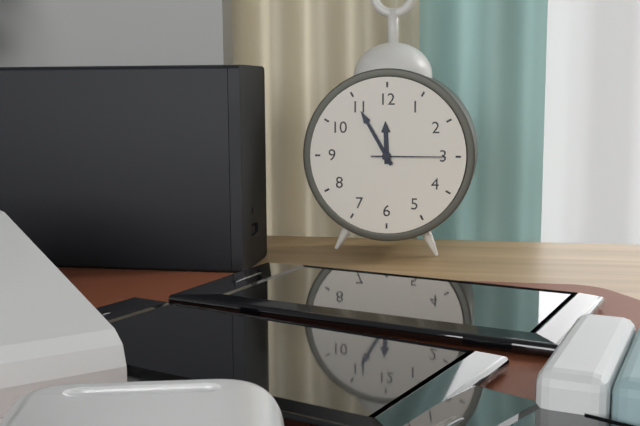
11:55:15
